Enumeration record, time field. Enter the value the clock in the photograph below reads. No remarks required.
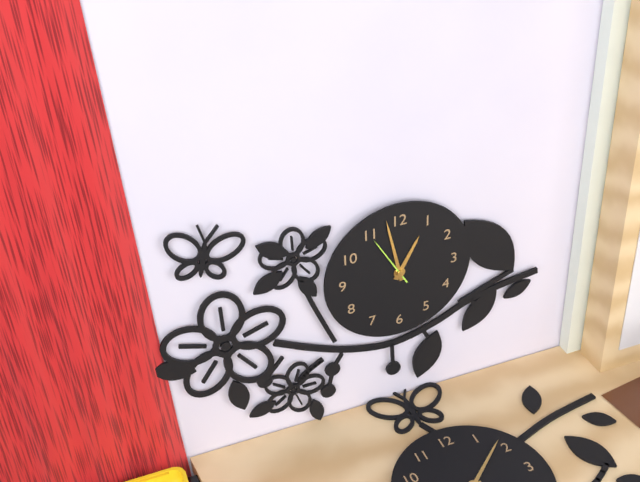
12:58:55
